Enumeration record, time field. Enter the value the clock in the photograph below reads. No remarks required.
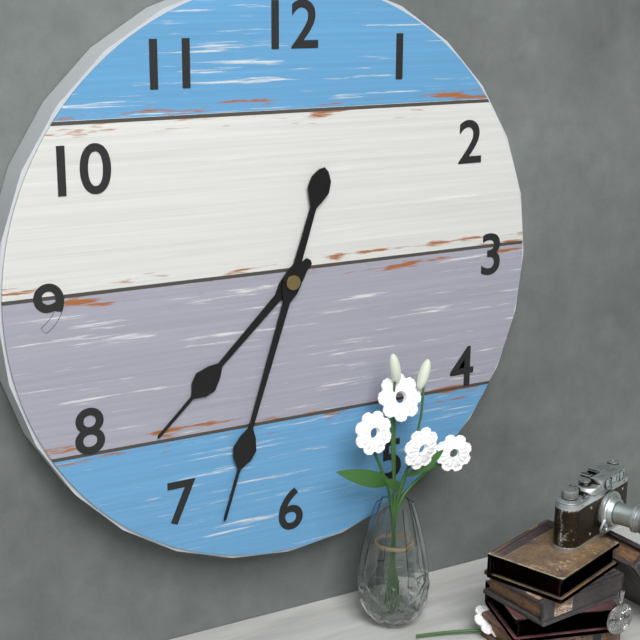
7:33
